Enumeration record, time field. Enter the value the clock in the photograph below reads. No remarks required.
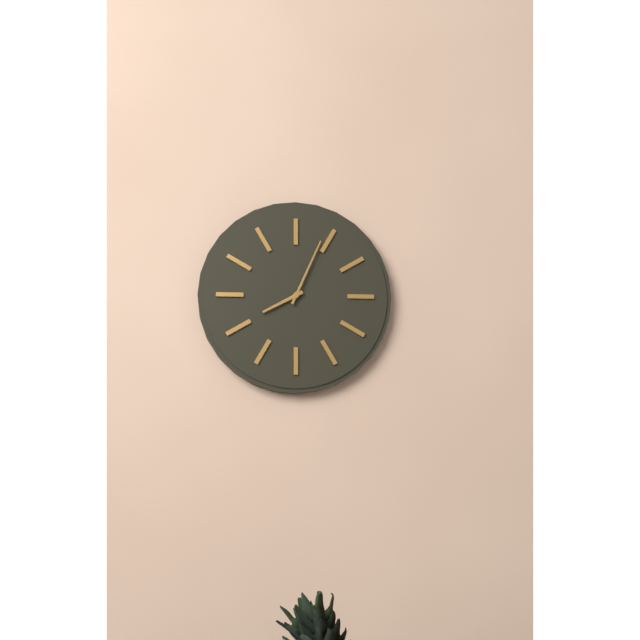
8:04
